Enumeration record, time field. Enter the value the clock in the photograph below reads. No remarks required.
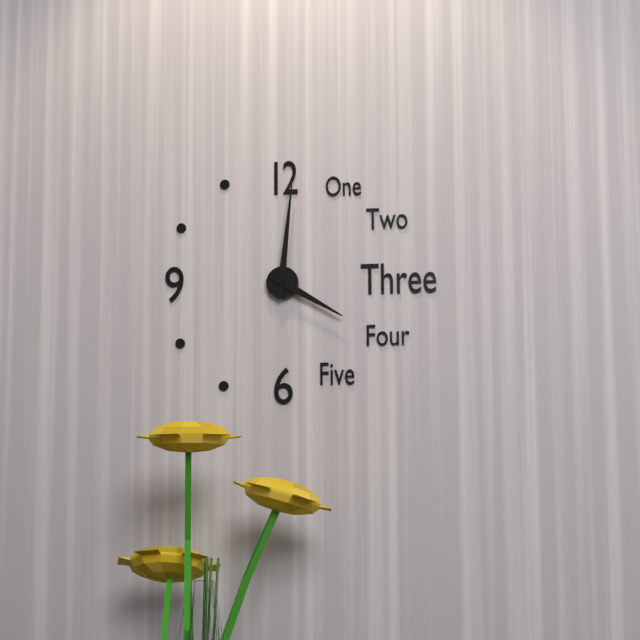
4:01
